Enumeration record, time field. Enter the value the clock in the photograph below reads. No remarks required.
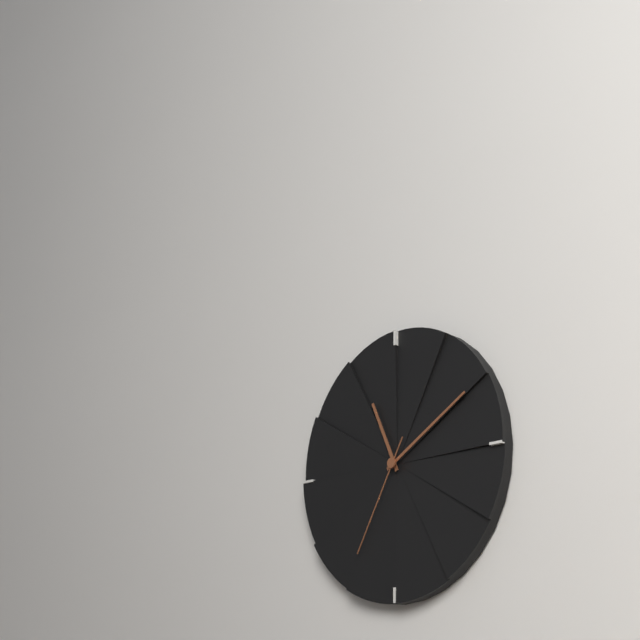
11:10:35
